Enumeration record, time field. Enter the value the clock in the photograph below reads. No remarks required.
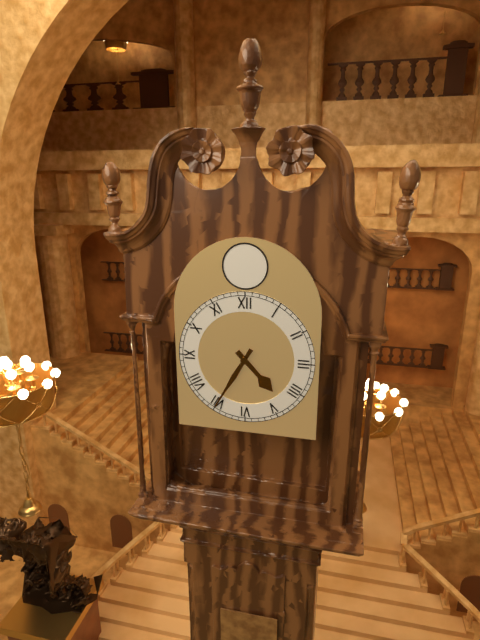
4:35
